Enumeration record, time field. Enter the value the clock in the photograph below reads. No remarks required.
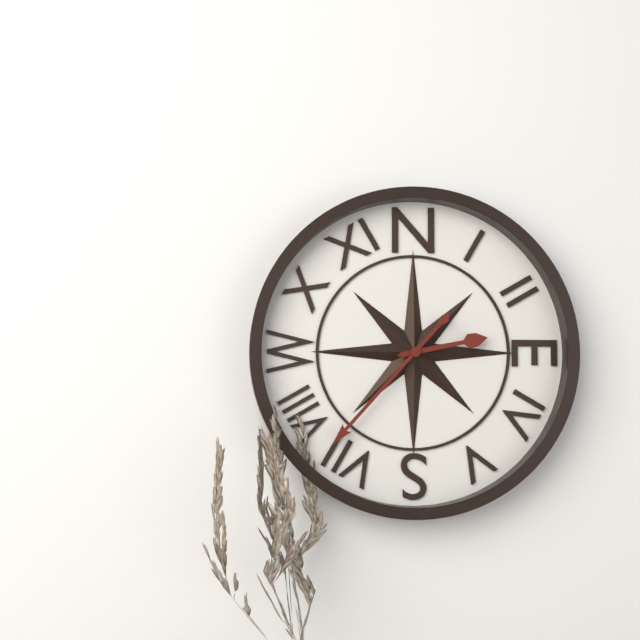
2:37
